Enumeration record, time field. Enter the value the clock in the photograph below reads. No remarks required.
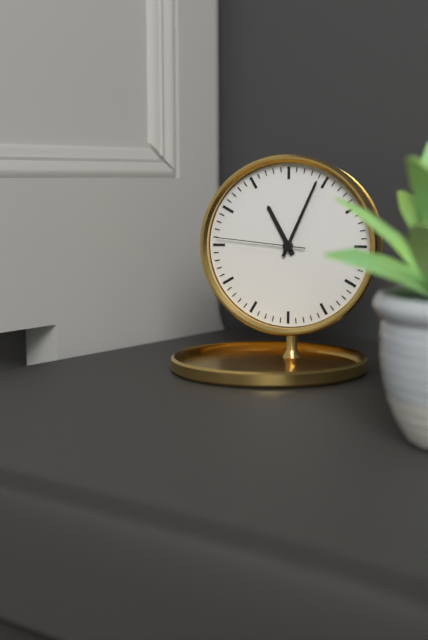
11:04:46
